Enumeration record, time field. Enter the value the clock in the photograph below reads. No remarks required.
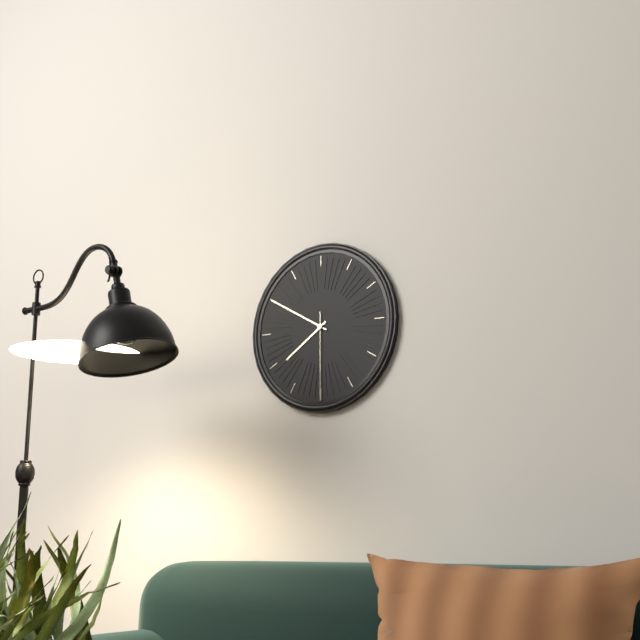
7:50:30
